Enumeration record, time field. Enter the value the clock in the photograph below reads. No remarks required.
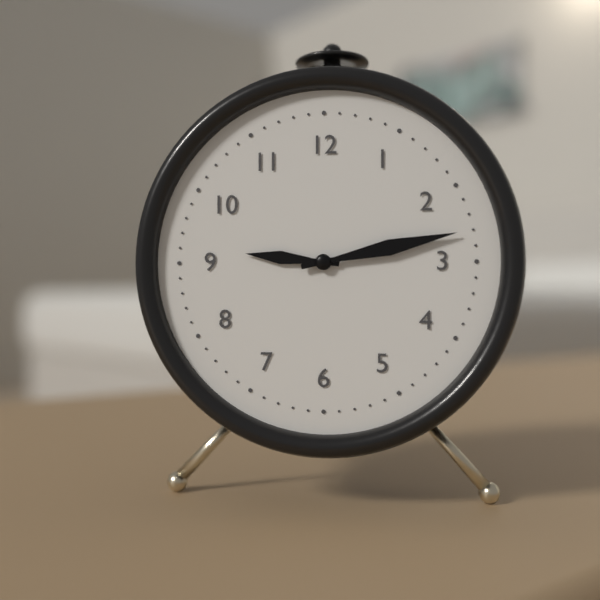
9:13
